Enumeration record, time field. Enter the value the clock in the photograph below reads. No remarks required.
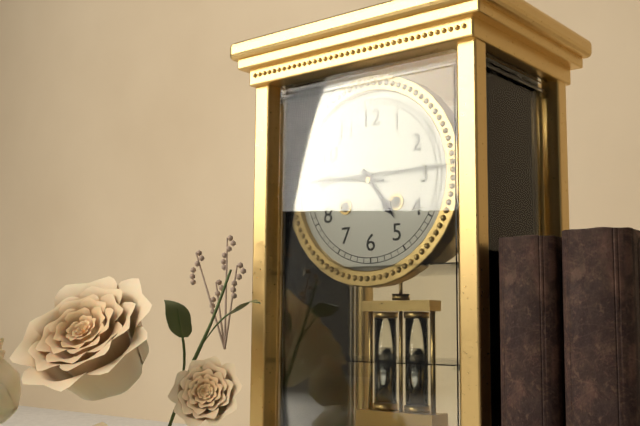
4:46
